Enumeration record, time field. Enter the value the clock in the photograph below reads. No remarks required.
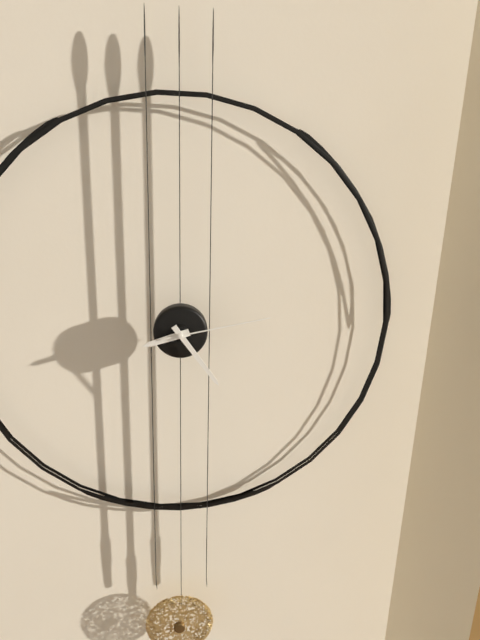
8:24:13
